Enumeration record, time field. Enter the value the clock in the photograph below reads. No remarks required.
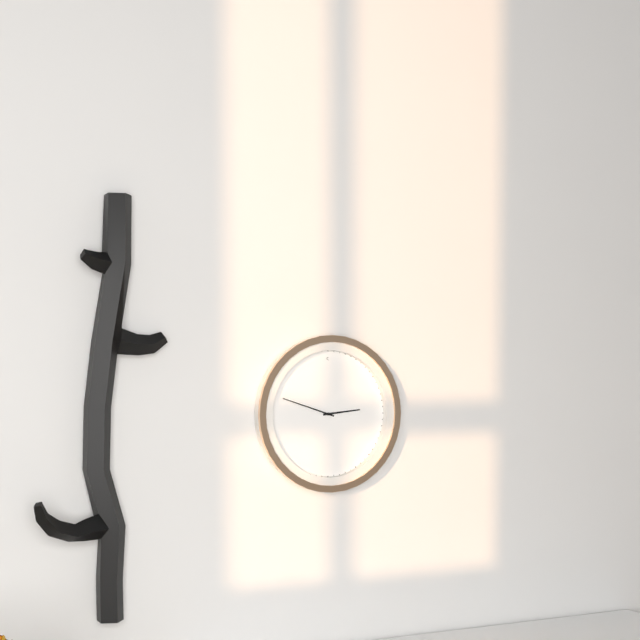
2:48
